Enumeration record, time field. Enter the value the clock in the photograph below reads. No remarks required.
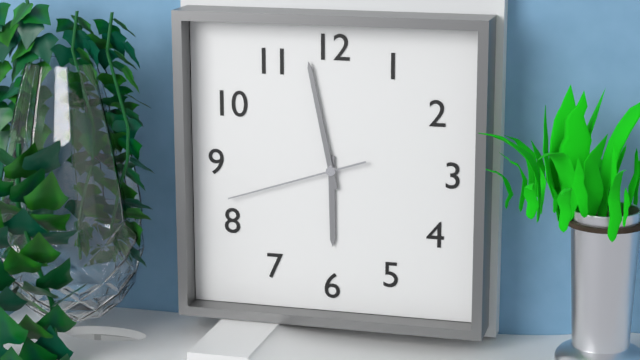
5:58:42
